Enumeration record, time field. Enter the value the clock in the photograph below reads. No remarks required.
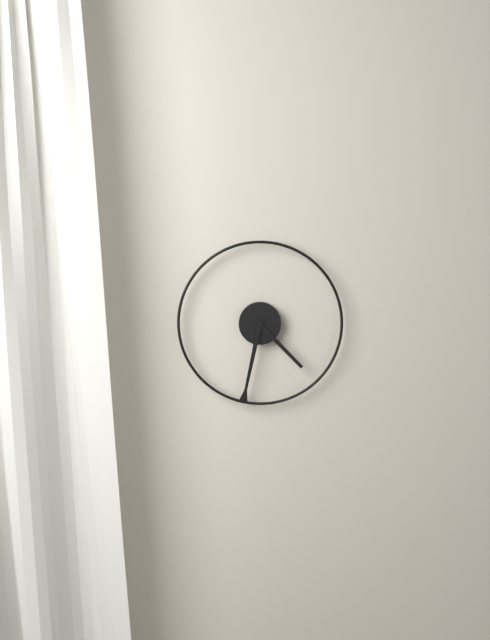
4:32
